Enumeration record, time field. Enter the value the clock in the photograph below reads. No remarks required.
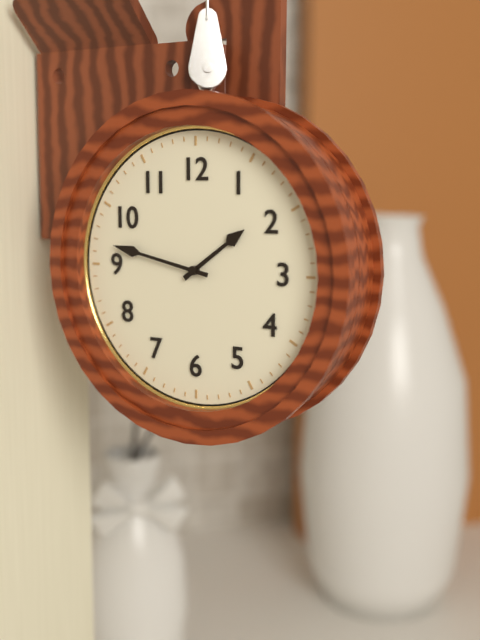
1:47
